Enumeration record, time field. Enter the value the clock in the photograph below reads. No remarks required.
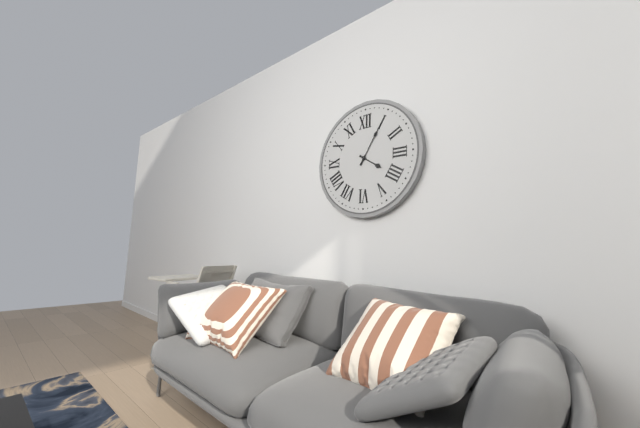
4:05
